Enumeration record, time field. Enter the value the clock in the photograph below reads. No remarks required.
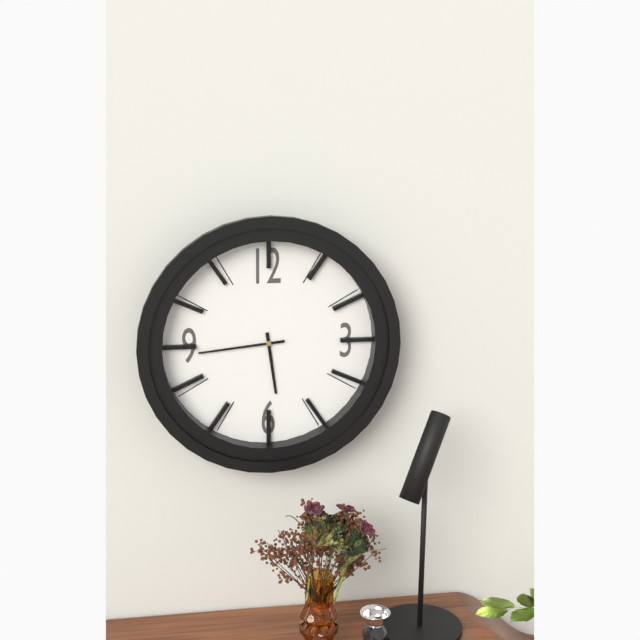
5:44
